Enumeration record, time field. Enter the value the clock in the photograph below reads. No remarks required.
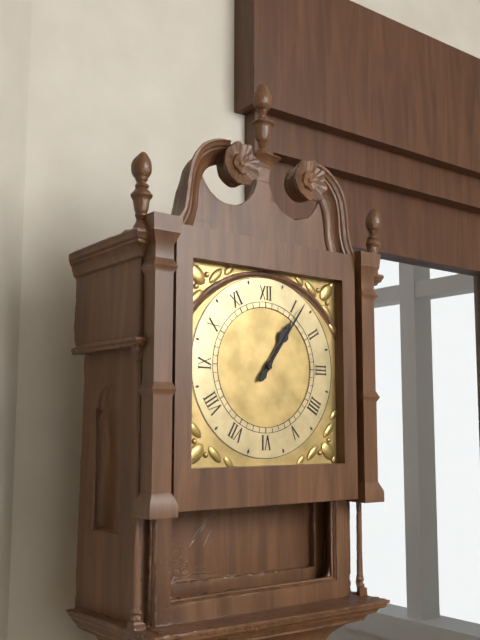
1:06
